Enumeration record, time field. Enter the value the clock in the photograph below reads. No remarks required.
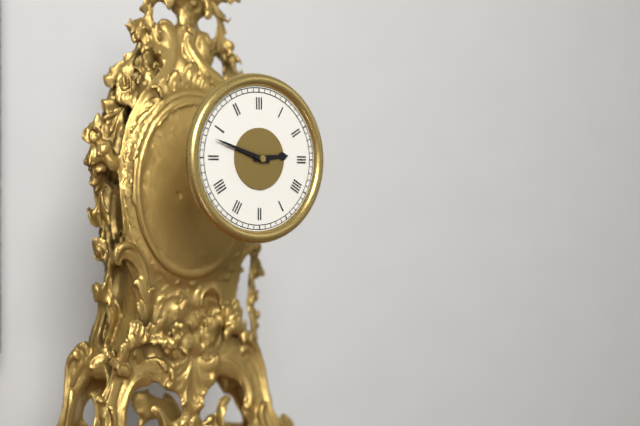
2:48
